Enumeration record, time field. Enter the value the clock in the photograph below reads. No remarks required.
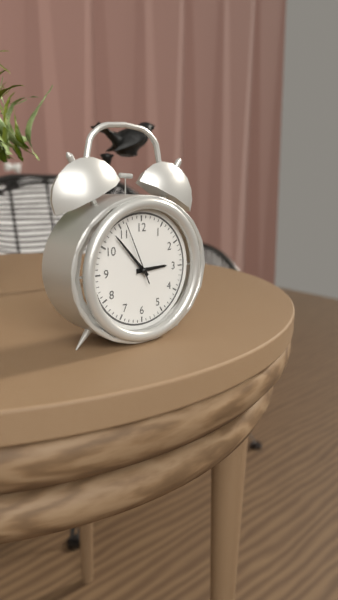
2:53:56
